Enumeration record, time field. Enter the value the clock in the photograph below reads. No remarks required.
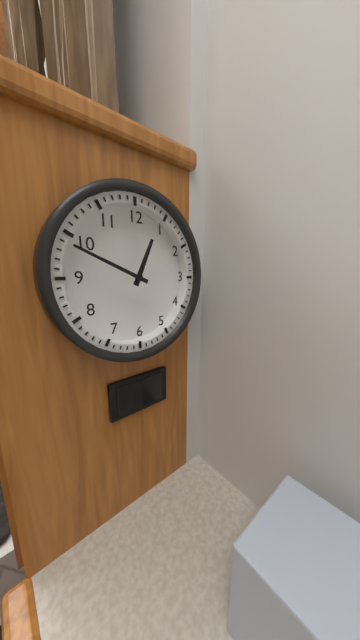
12:49
